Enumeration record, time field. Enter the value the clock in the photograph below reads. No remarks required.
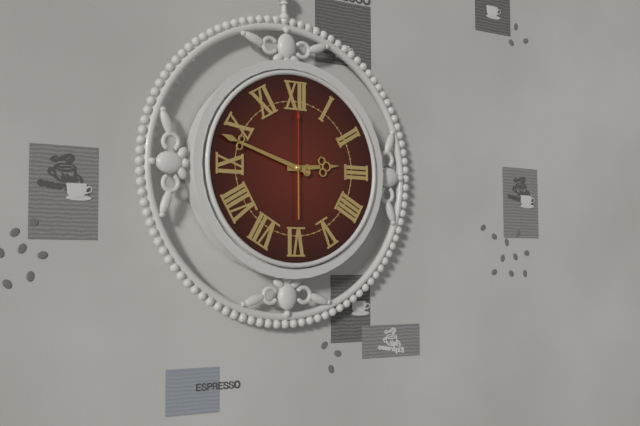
2:48:00
